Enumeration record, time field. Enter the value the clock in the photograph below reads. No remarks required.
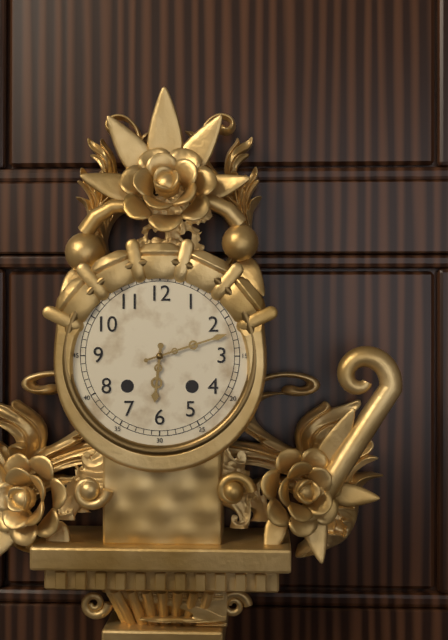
6:12
